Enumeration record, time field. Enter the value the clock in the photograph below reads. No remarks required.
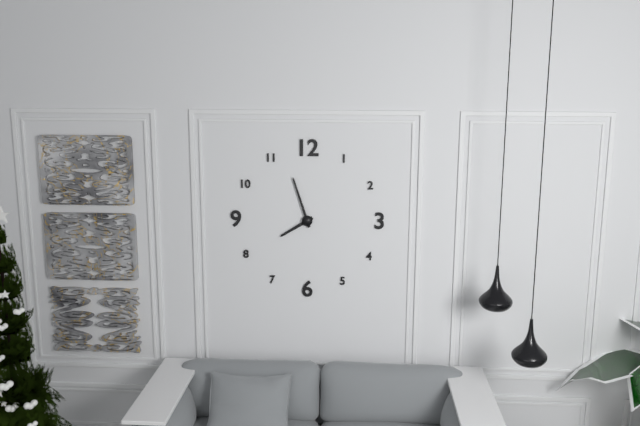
7:57
